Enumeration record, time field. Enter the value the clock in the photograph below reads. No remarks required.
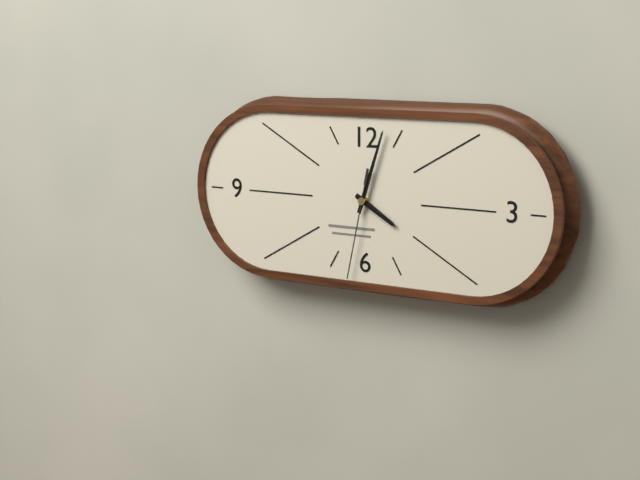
4:03:32
